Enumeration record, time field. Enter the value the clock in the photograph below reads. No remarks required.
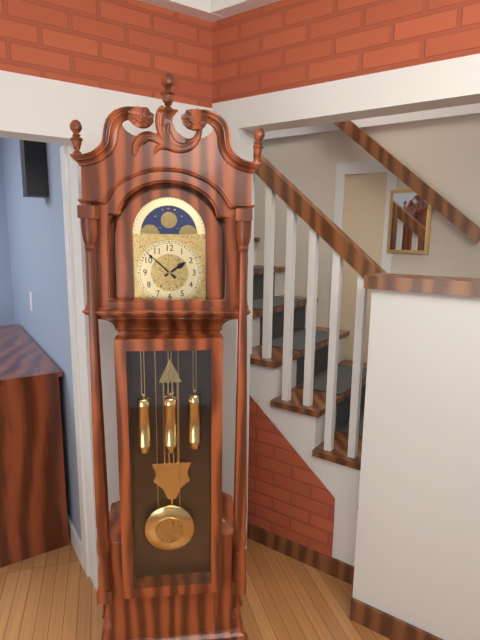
1:52
